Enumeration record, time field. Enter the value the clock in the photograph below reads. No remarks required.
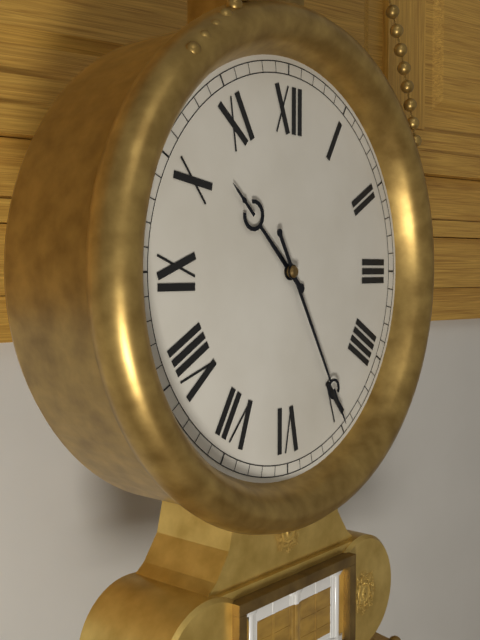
10:25
